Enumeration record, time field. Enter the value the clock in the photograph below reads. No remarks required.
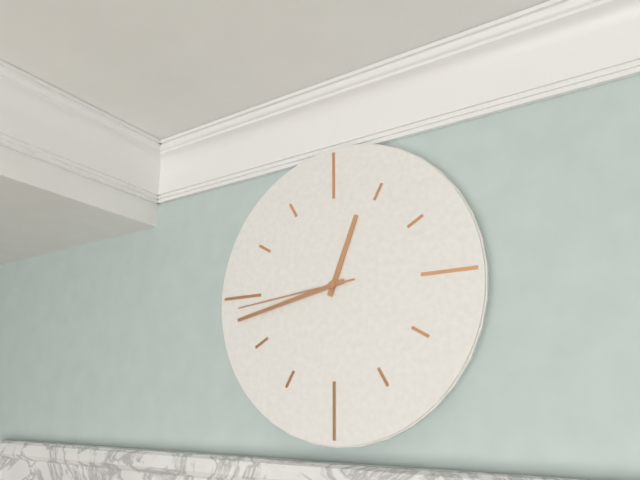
12:43:44
